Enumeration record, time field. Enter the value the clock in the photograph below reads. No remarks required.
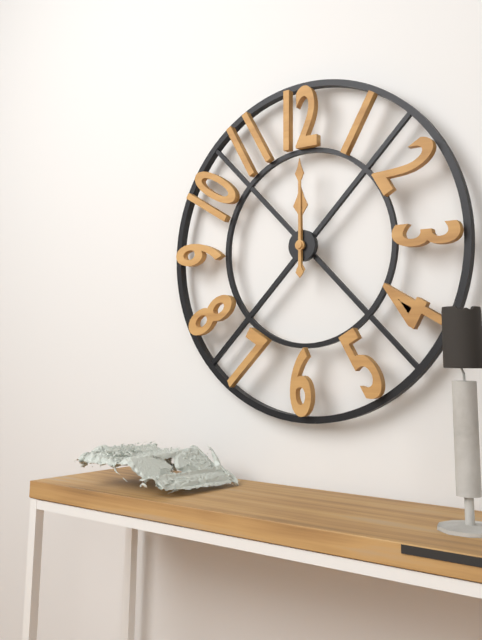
12:00
